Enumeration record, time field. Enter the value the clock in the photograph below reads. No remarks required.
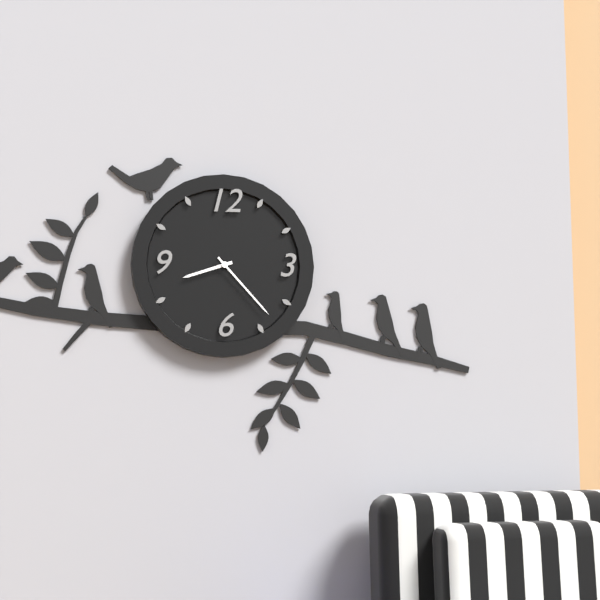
8:23
